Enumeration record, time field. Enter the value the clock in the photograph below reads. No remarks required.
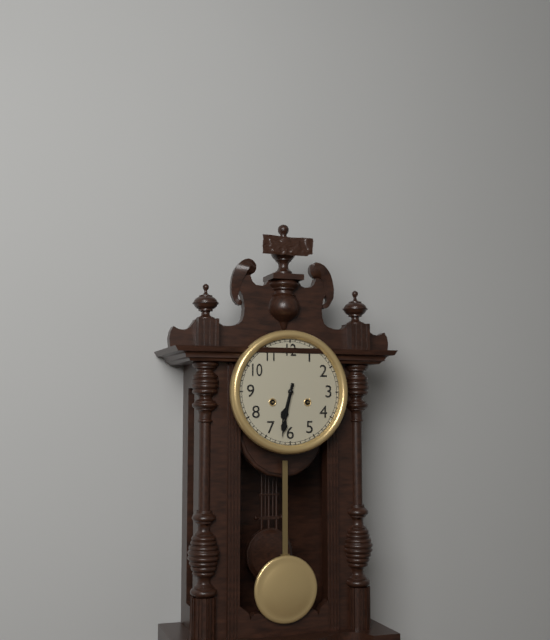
6:32
